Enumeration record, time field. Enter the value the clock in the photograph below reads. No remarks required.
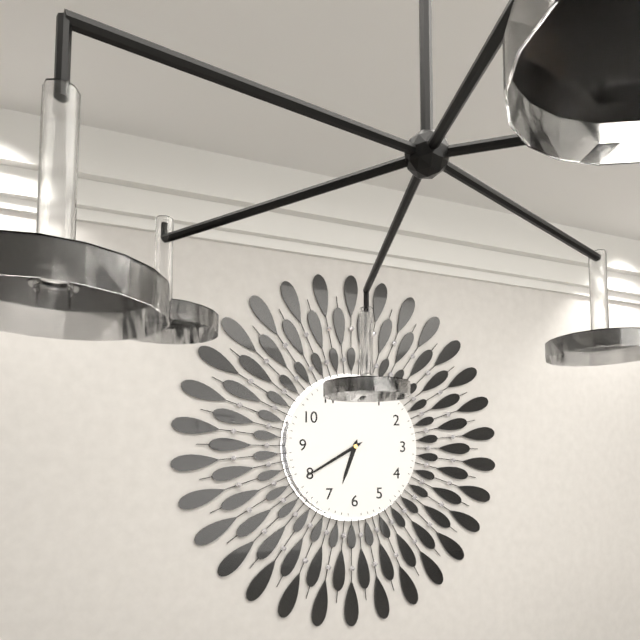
6:40
